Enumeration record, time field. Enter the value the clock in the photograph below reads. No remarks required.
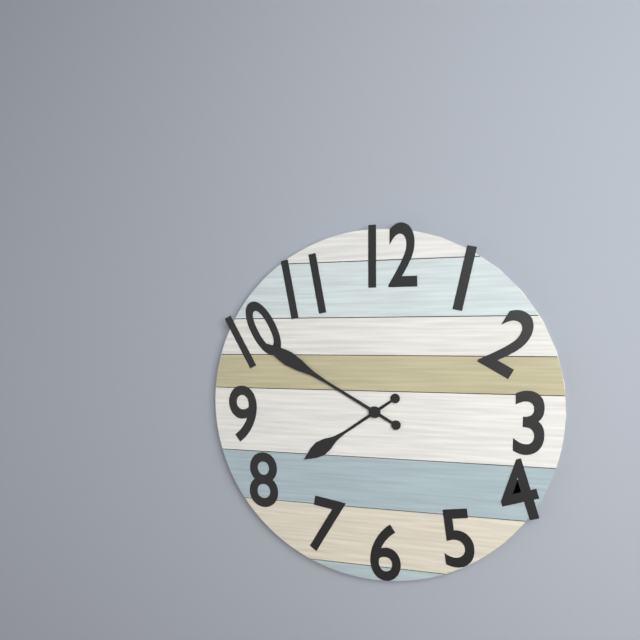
7:50
